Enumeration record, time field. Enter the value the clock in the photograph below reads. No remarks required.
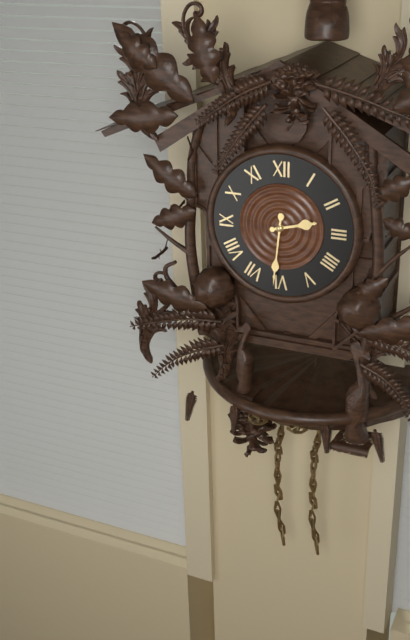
2:31
